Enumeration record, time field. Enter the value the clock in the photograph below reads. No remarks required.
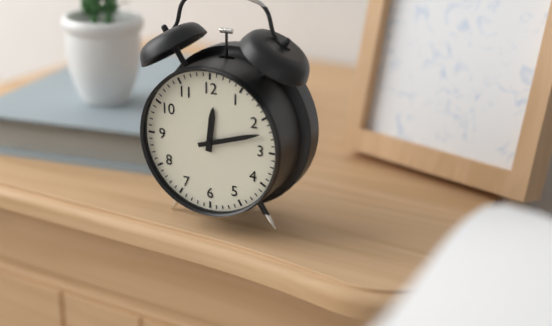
12:12
